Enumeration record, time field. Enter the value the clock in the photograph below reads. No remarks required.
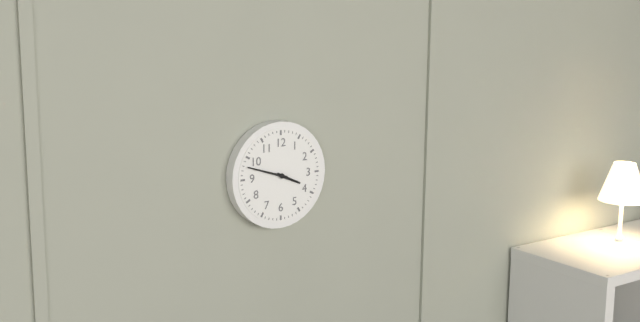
3:48
